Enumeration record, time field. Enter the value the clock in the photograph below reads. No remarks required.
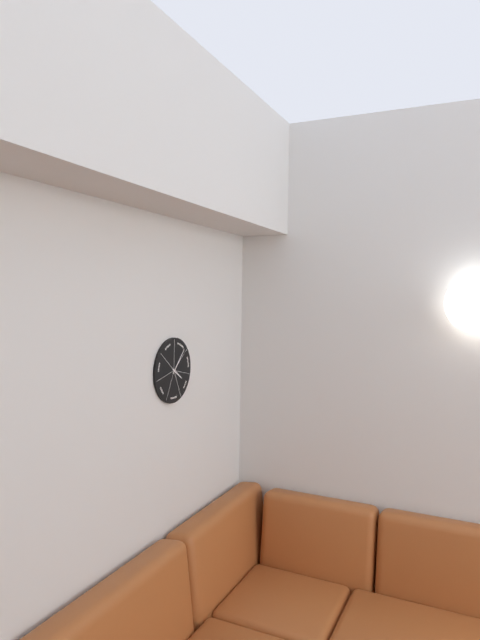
4:07
